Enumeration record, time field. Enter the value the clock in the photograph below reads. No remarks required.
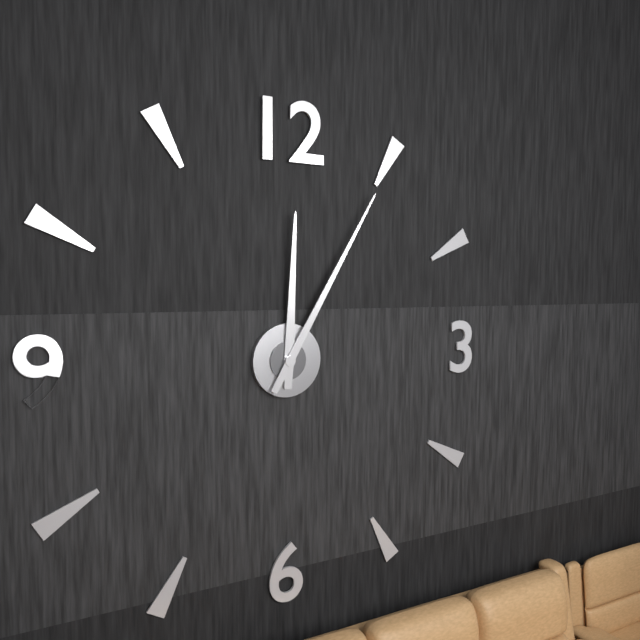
12:05
